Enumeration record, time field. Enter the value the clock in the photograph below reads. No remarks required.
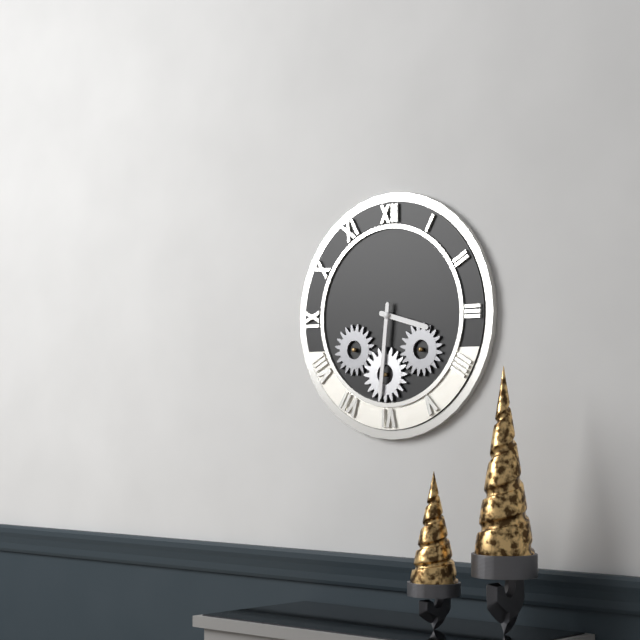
3:31
